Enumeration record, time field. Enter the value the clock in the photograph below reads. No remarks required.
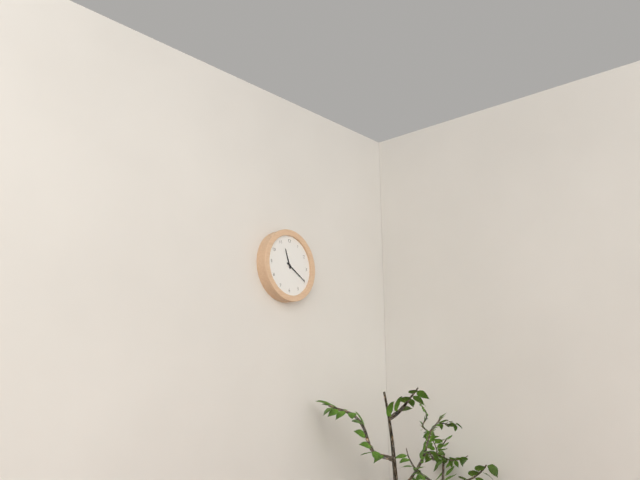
11:20
